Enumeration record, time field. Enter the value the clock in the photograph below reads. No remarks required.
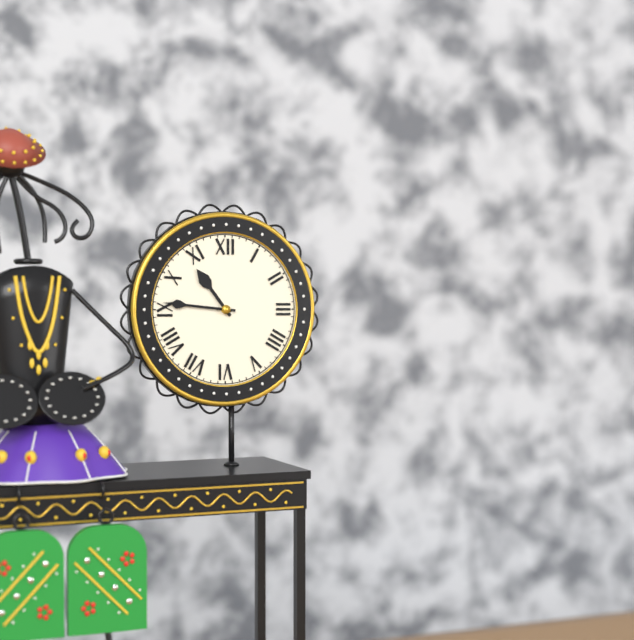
10:46
